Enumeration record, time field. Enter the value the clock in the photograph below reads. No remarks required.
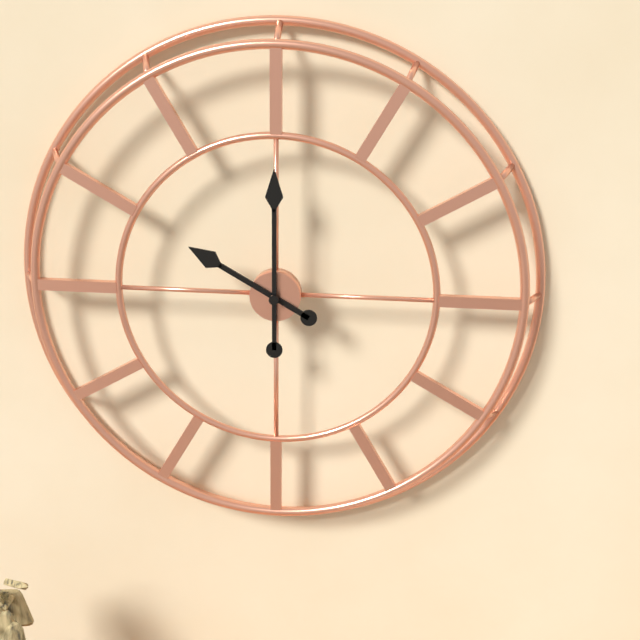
10:00
